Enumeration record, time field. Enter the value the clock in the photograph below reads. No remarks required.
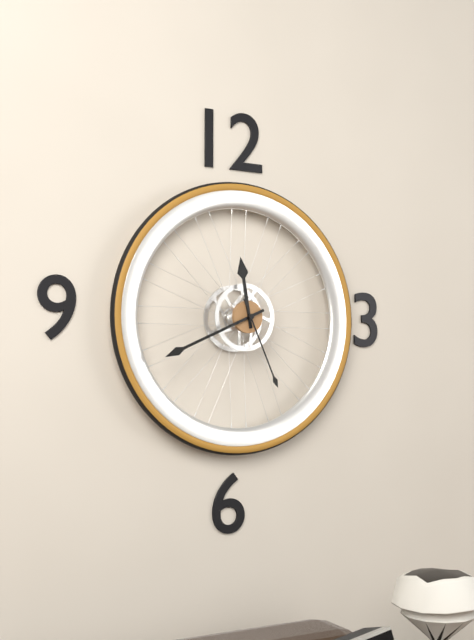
11:41:26
